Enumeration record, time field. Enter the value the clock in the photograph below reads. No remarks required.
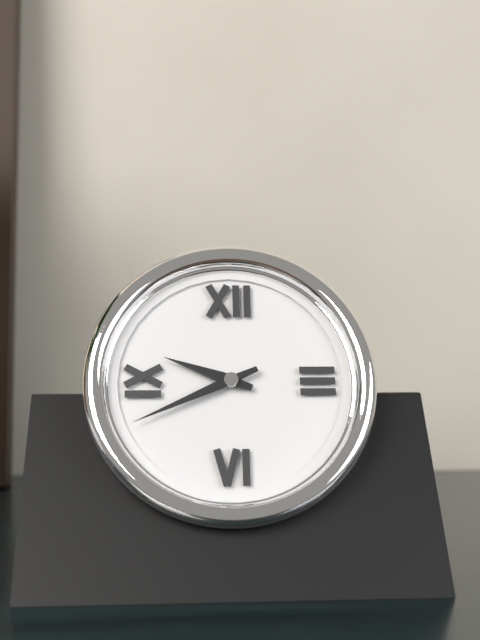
9:41
